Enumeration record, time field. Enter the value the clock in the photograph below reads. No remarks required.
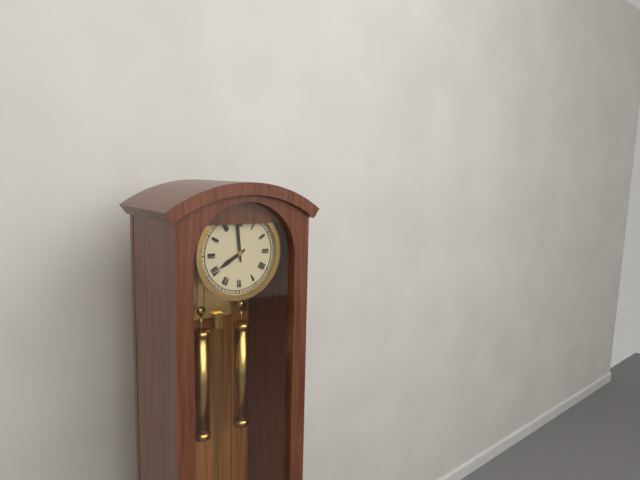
7:59
